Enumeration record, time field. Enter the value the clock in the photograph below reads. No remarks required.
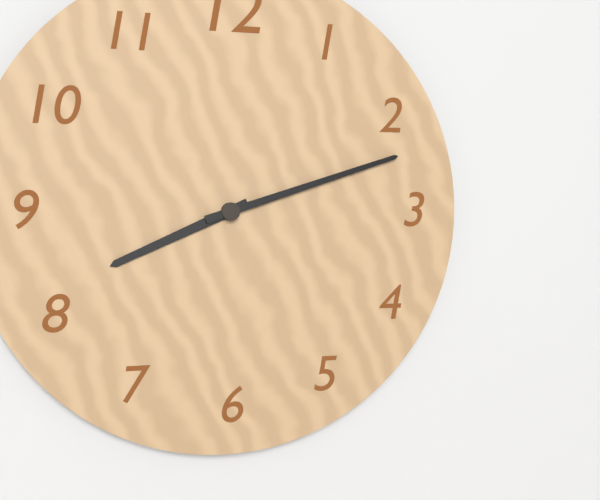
8:12
